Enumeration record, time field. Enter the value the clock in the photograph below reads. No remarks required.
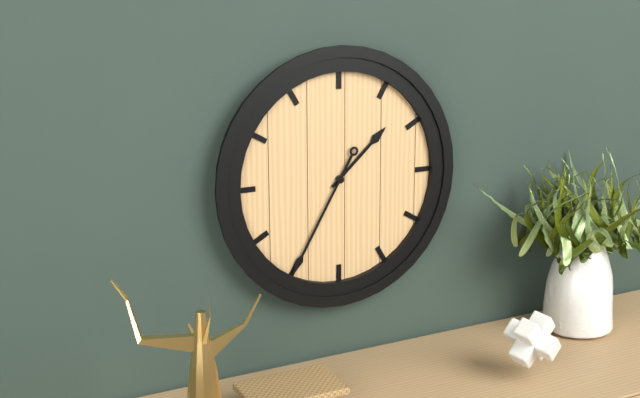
1:35
